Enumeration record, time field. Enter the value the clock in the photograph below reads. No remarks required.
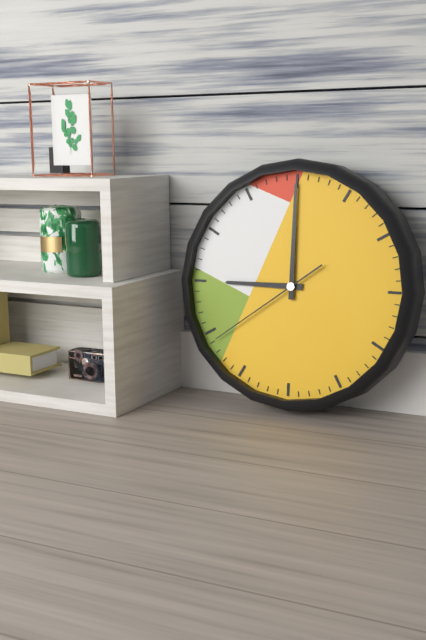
9:00:39
